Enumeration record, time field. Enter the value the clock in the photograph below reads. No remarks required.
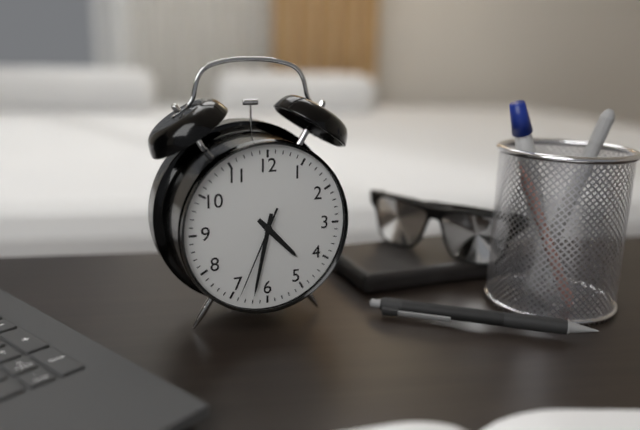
4:32:34
